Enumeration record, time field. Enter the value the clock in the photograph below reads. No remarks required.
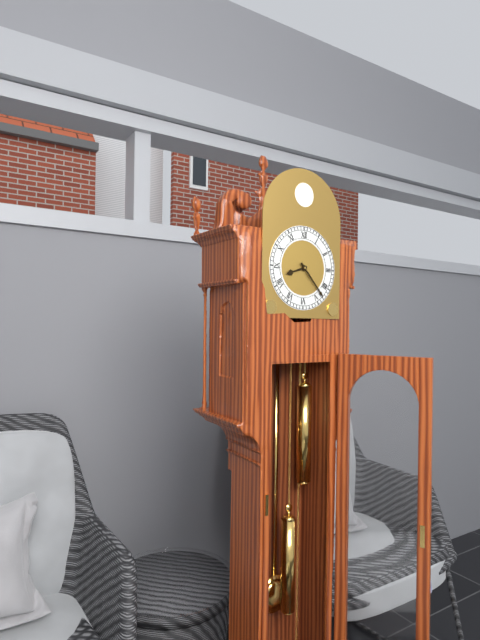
8:23
